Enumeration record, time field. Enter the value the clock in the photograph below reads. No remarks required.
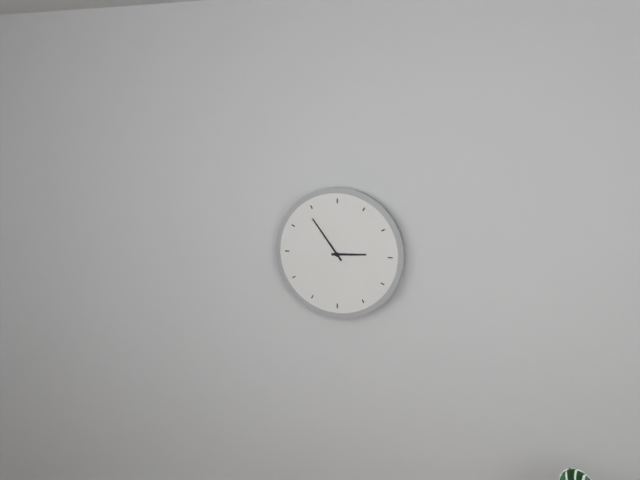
2:54
